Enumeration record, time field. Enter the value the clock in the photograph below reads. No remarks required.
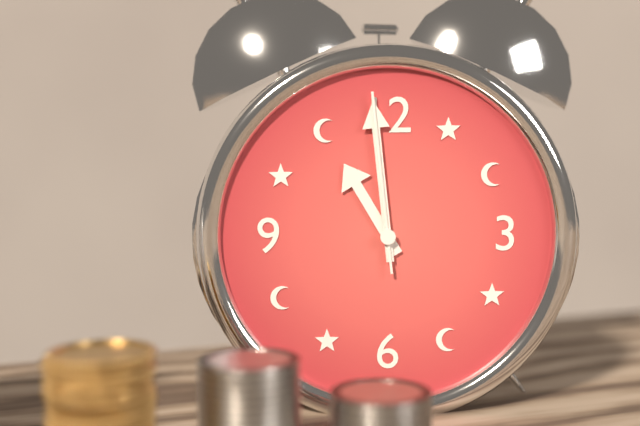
10:59:59
